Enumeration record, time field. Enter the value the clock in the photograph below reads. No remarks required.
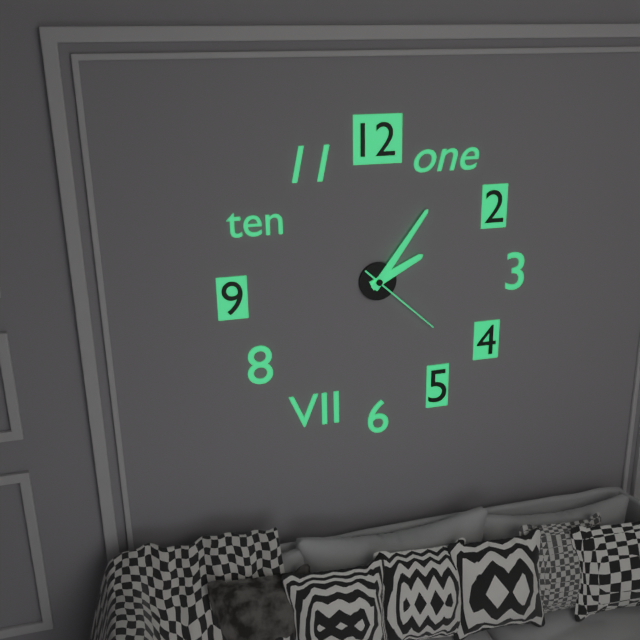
2:06:22
